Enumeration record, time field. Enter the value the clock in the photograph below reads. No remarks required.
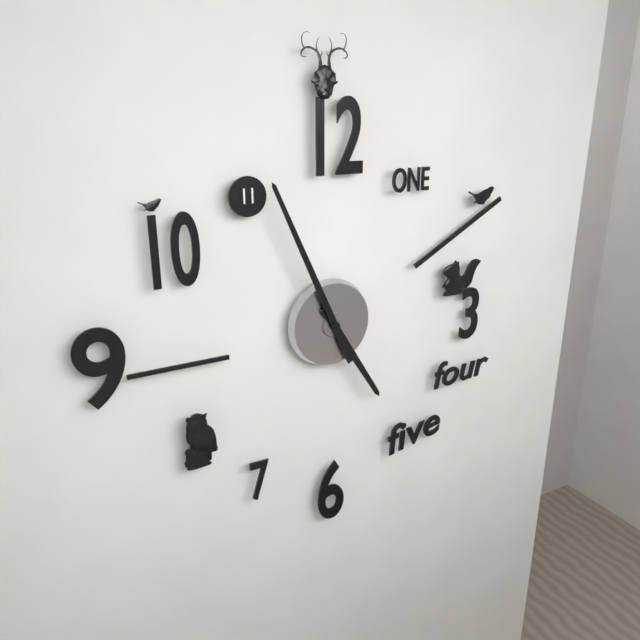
4:56
